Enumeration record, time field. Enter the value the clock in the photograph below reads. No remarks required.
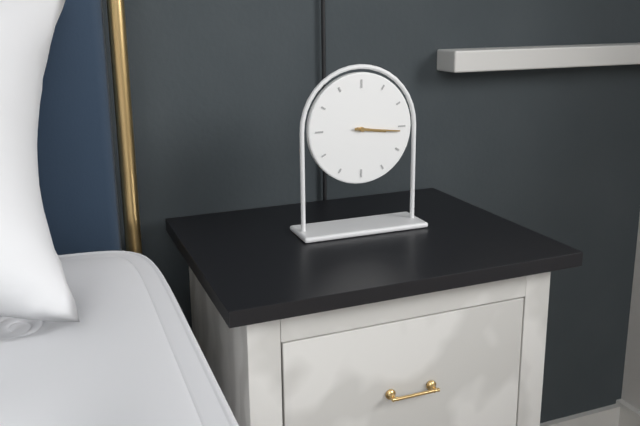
3:16
